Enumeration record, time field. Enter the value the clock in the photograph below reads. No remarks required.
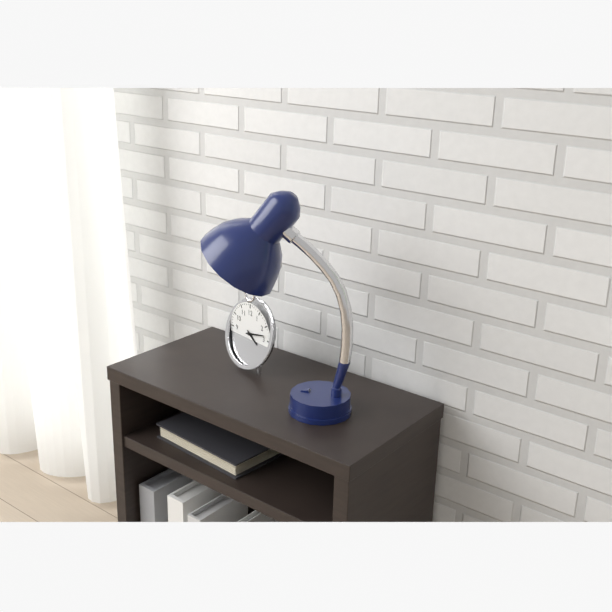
4:13
